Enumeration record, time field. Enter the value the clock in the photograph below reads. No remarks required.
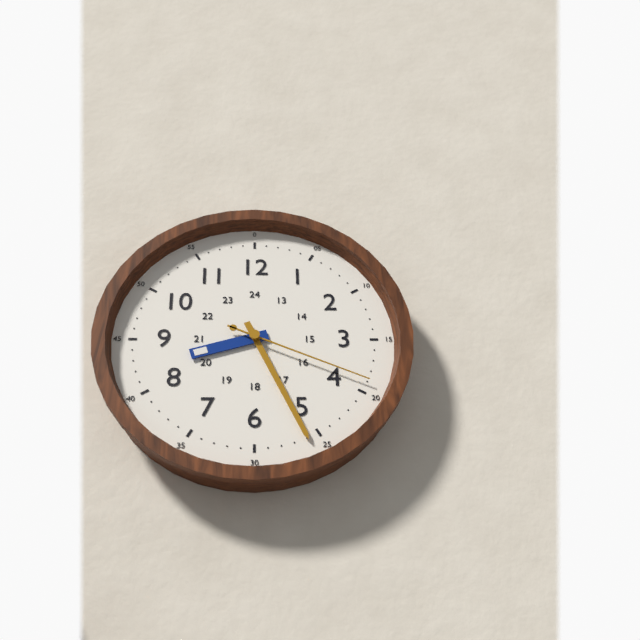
8:26:19
